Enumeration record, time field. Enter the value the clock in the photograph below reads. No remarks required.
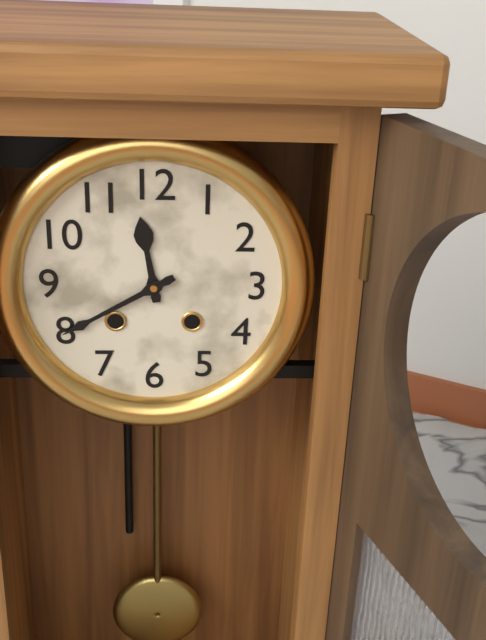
11:40
